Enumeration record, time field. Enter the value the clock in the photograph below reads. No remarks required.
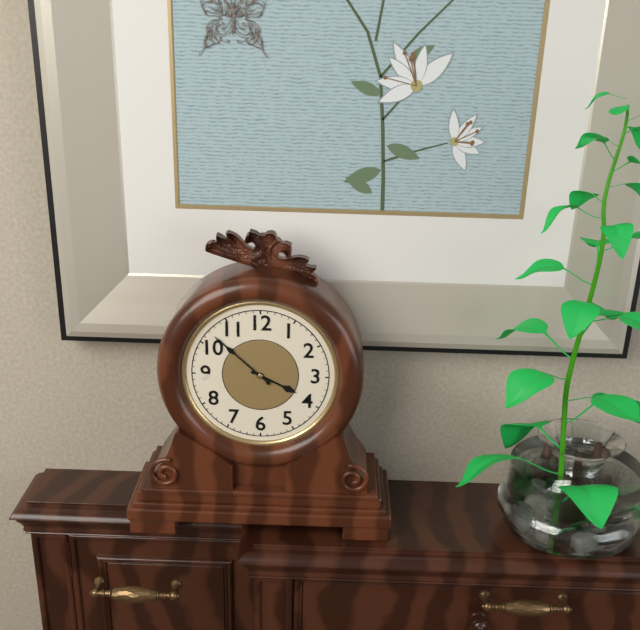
3:52
